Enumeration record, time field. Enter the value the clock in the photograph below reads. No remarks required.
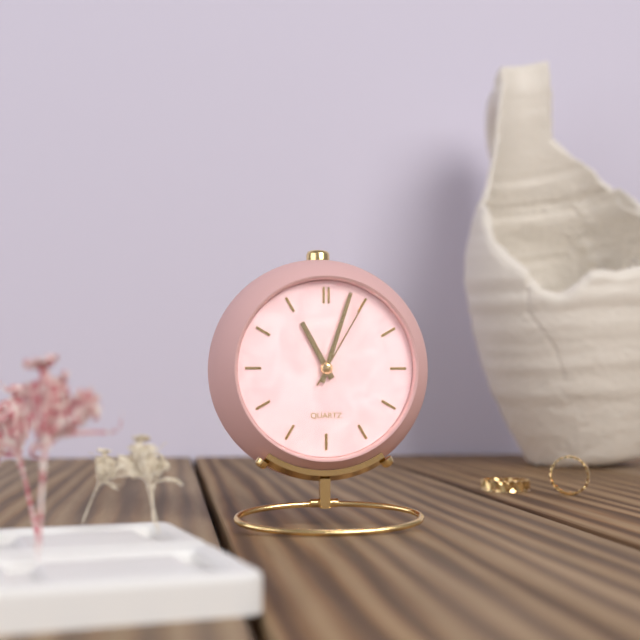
11:03:05
